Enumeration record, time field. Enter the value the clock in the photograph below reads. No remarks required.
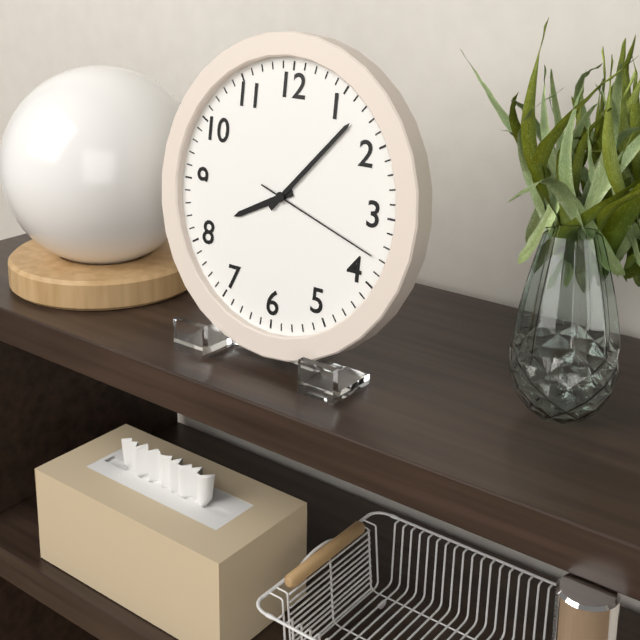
8:07:18
